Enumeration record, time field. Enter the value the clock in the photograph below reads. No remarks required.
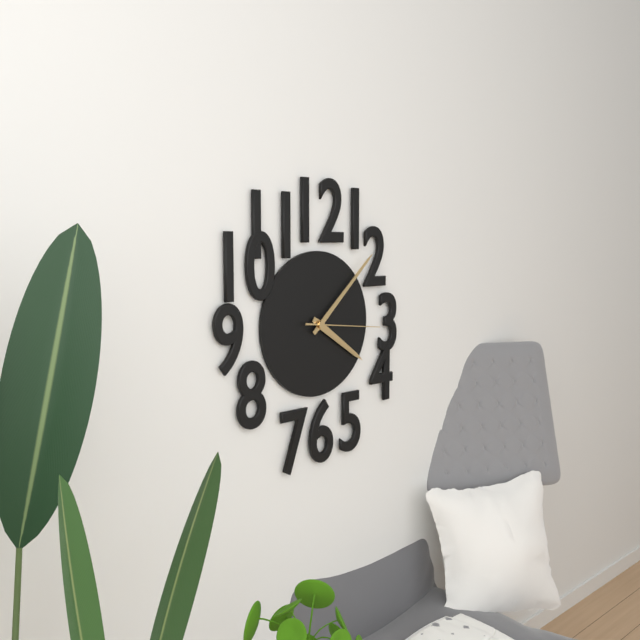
4:08:16
